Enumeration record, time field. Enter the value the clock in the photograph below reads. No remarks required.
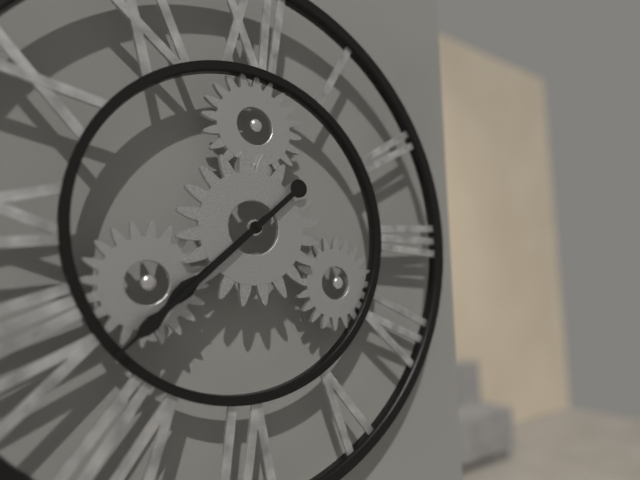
7:38
